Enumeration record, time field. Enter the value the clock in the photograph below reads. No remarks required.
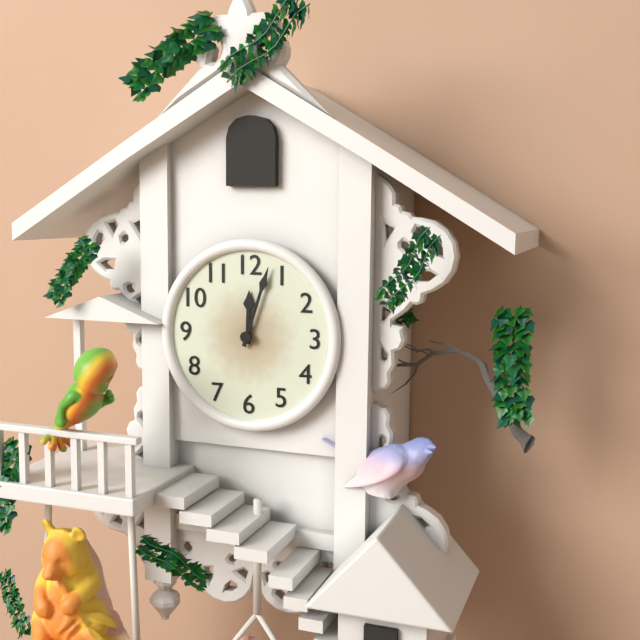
12:03
